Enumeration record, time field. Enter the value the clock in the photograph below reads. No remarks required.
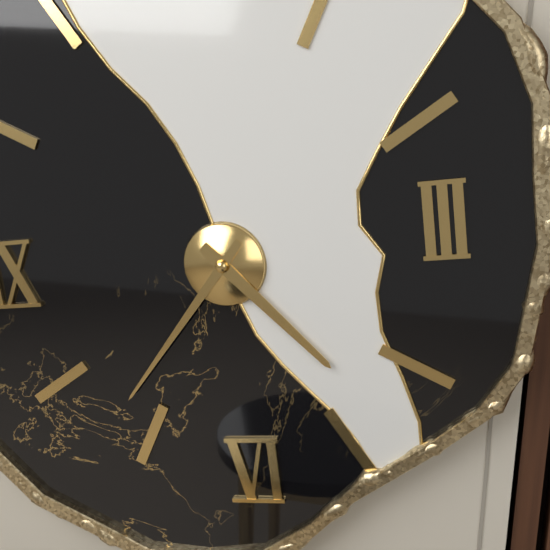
4:37
